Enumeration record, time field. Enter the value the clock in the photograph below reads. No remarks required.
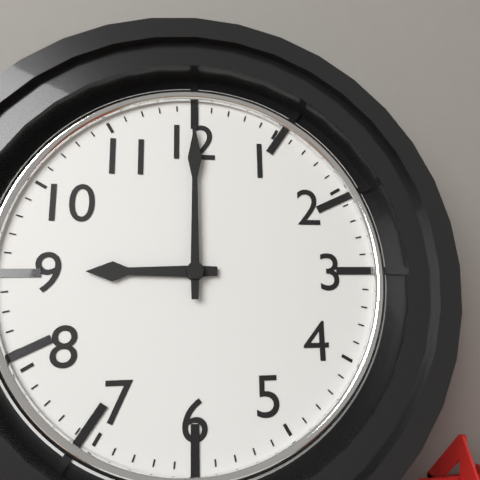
9:00
